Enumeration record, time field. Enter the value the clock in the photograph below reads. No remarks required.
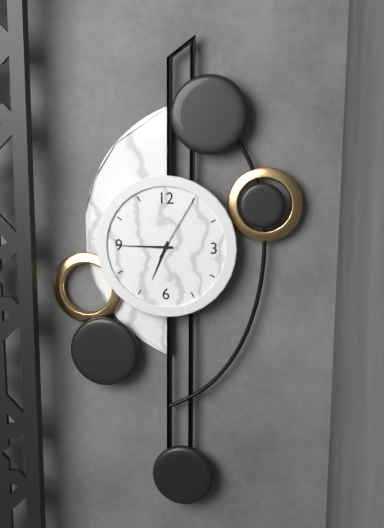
6:45:05
